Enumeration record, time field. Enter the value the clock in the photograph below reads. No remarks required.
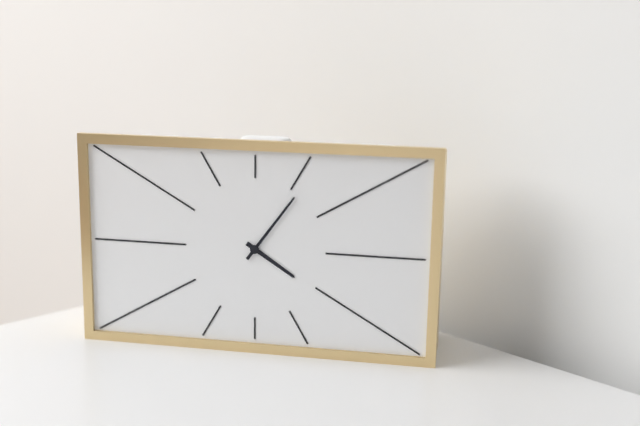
4:06
